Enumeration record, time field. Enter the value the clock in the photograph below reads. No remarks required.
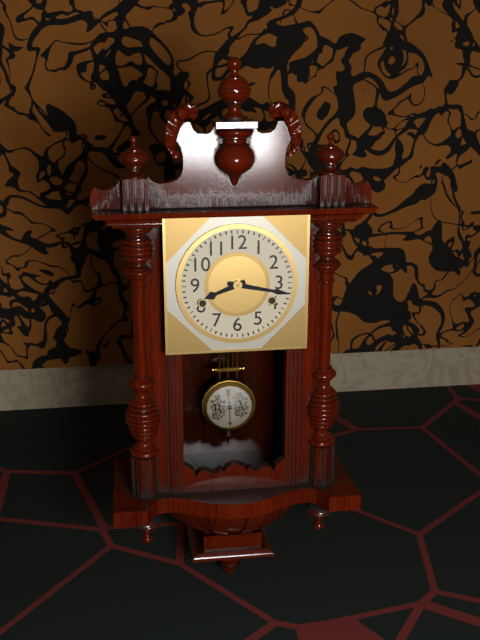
8:17
